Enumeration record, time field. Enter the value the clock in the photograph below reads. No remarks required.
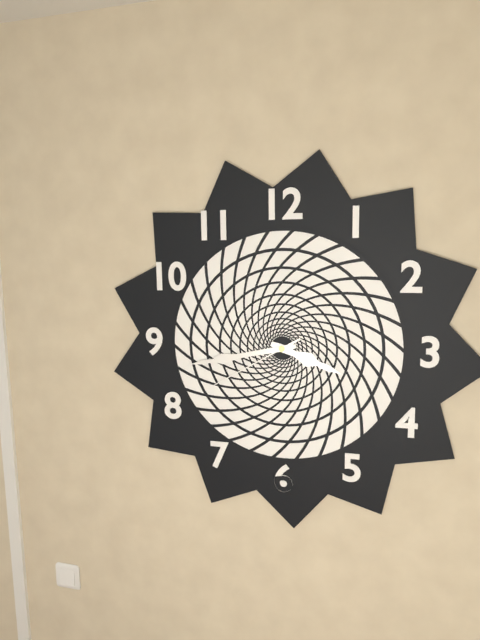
3:43:40
